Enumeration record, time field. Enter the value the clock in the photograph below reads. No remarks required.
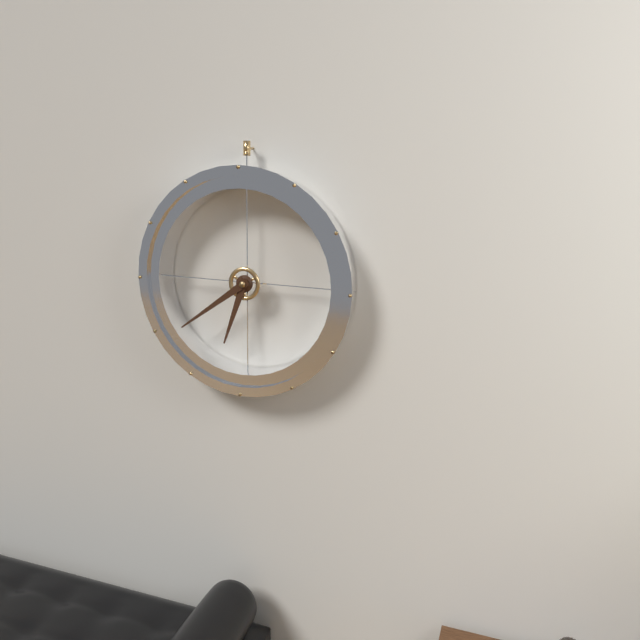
6:39
